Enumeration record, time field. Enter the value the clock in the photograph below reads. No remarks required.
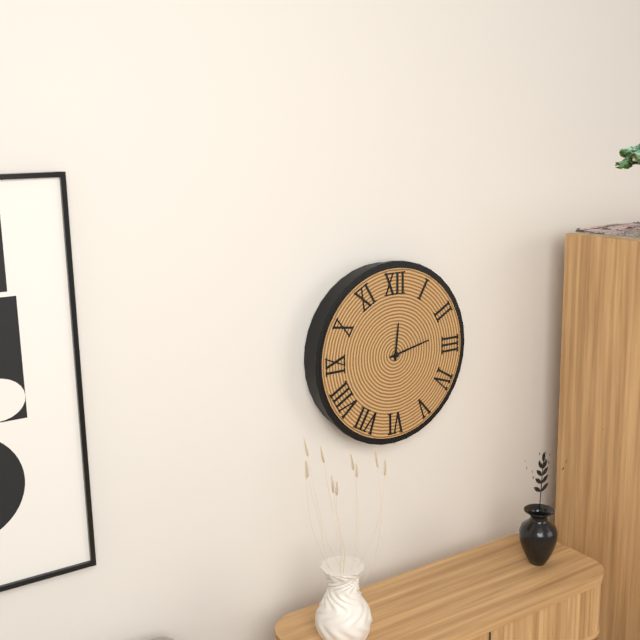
12:13
